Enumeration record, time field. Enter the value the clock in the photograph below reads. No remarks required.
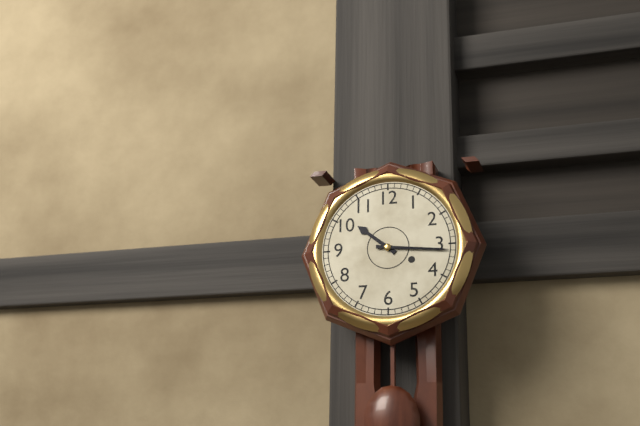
10:16
